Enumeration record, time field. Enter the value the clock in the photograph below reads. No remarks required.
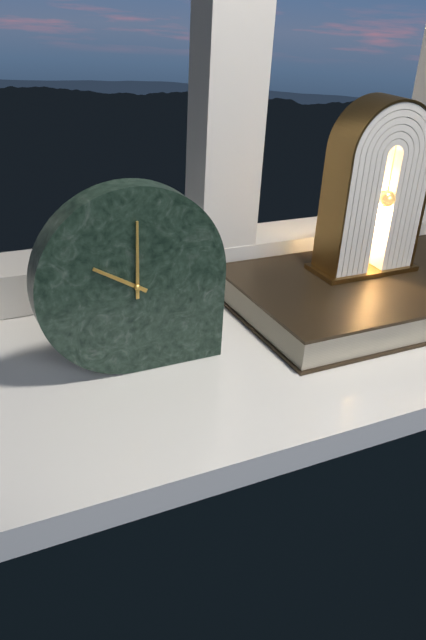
10:00
